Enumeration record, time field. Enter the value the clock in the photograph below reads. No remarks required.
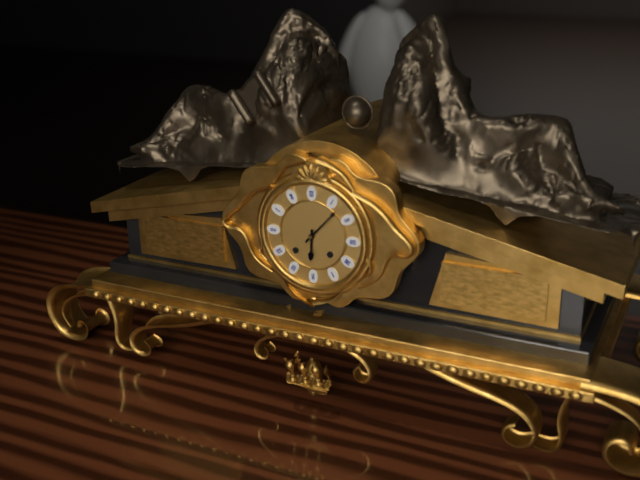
6:07
